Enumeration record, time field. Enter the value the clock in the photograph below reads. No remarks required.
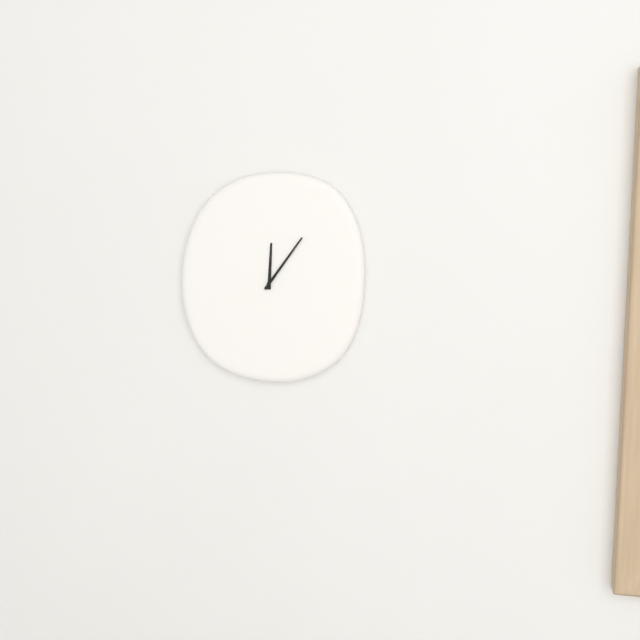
12:06
